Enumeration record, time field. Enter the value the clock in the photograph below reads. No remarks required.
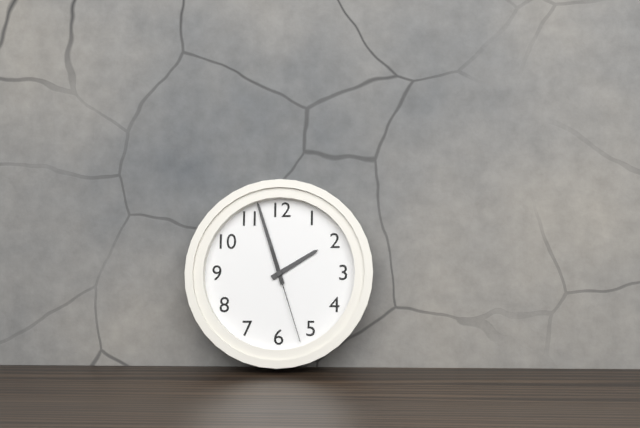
1:57:27
